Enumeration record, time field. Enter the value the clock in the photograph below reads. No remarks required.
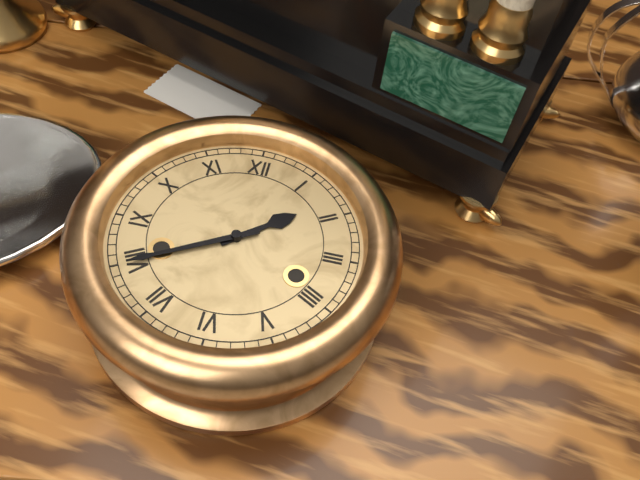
1:40
